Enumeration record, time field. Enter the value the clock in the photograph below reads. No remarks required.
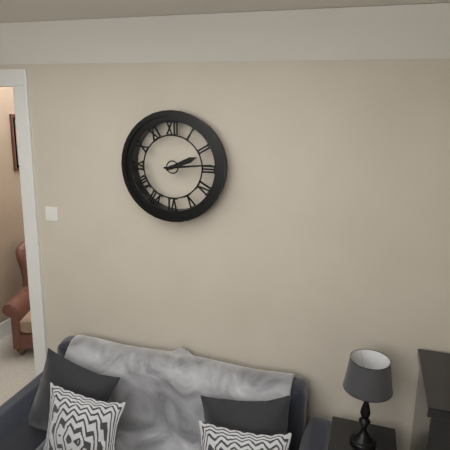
2:14
